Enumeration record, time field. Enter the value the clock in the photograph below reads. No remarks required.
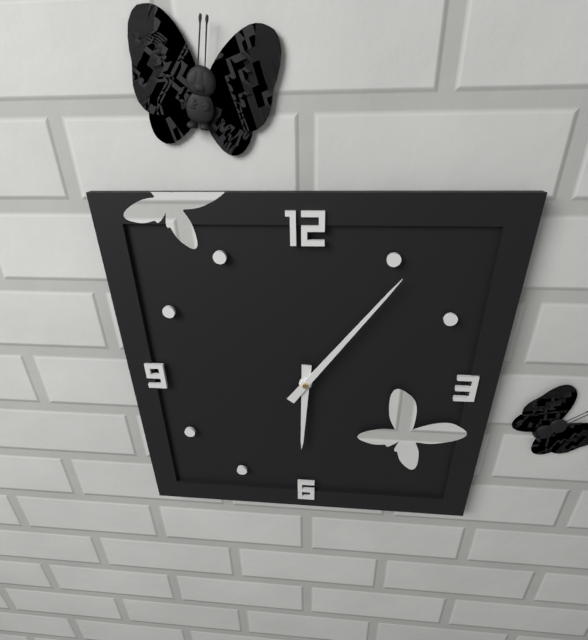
6:06
